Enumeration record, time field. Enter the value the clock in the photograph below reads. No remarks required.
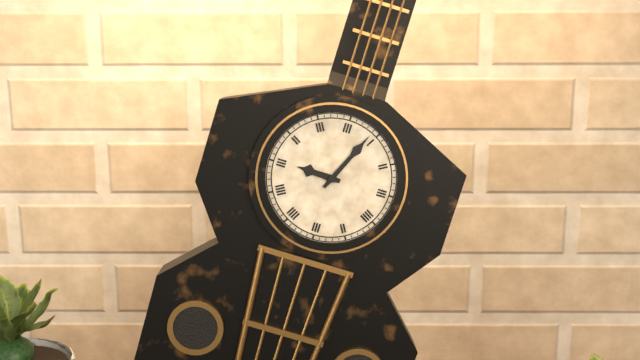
9:04
